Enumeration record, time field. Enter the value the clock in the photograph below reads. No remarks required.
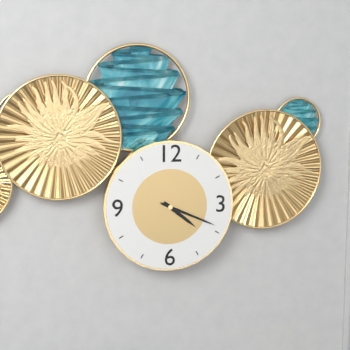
4:19
